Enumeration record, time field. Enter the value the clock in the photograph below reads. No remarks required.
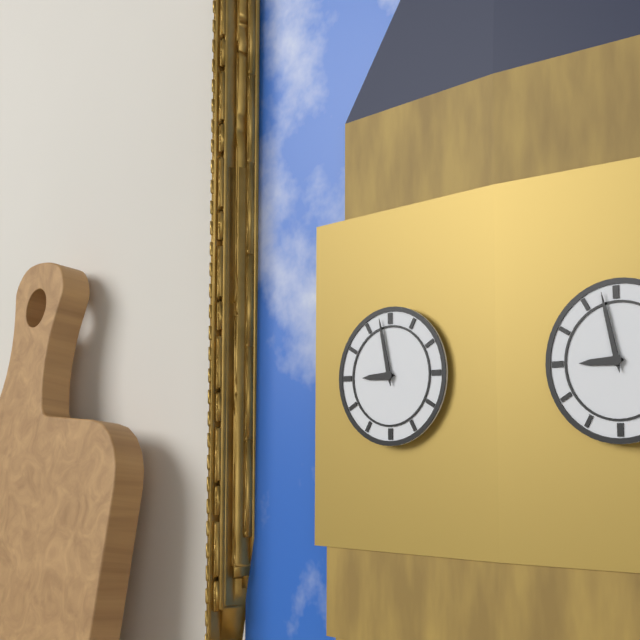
8:58
